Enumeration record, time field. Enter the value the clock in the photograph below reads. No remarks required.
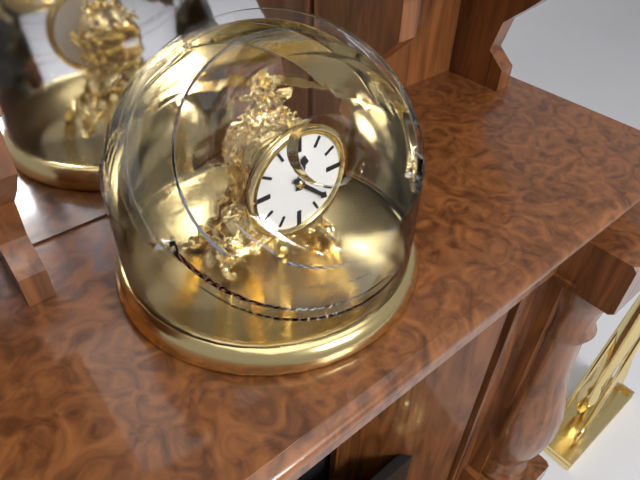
12:22
